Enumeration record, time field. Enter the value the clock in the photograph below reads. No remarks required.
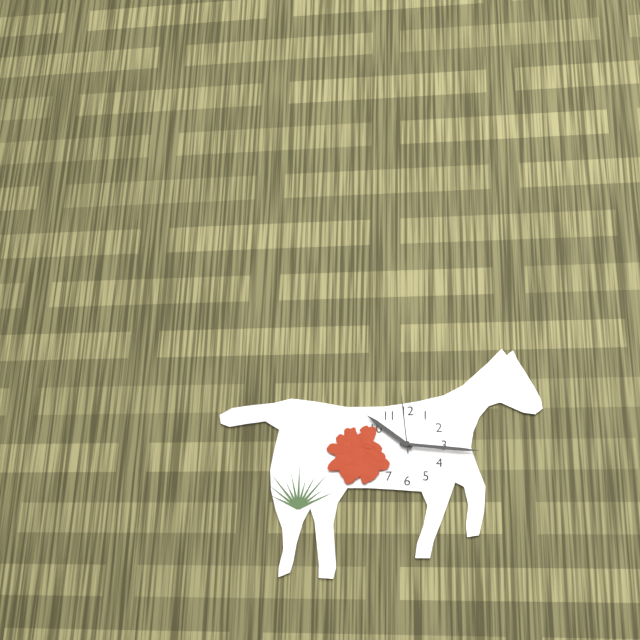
10:16:59
